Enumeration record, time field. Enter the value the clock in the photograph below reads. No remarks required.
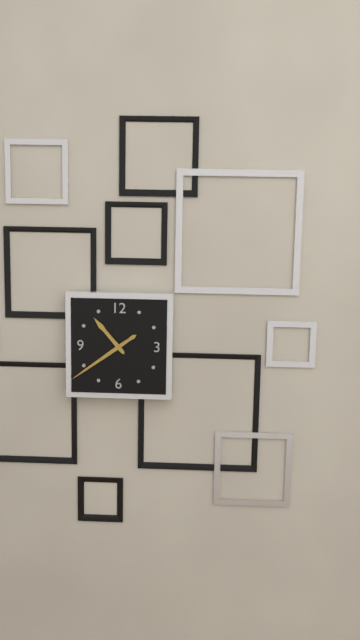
10:39
